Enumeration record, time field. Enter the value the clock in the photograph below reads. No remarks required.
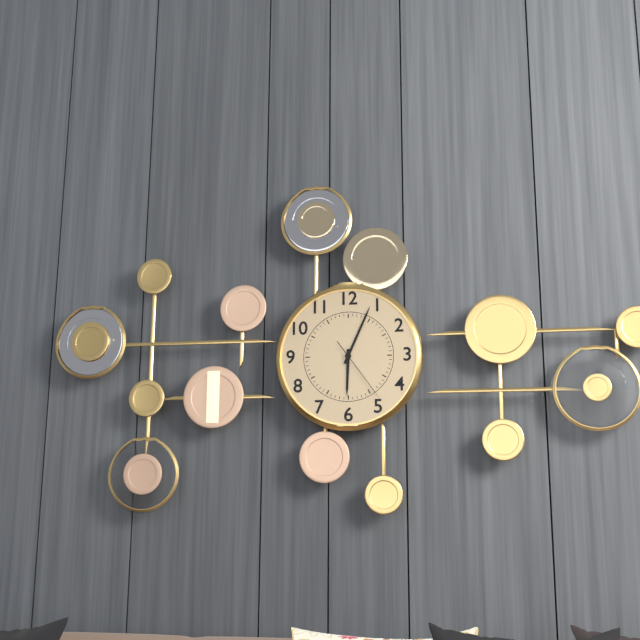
6:04:24
